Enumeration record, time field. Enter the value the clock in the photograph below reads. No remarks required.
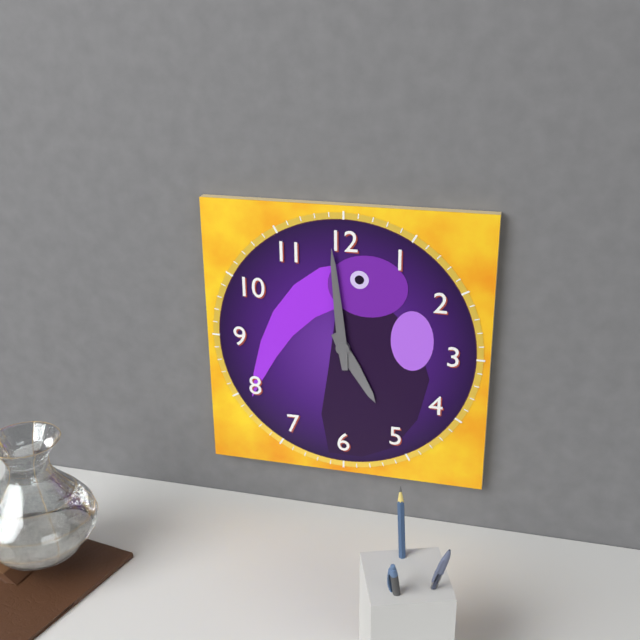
4:59
